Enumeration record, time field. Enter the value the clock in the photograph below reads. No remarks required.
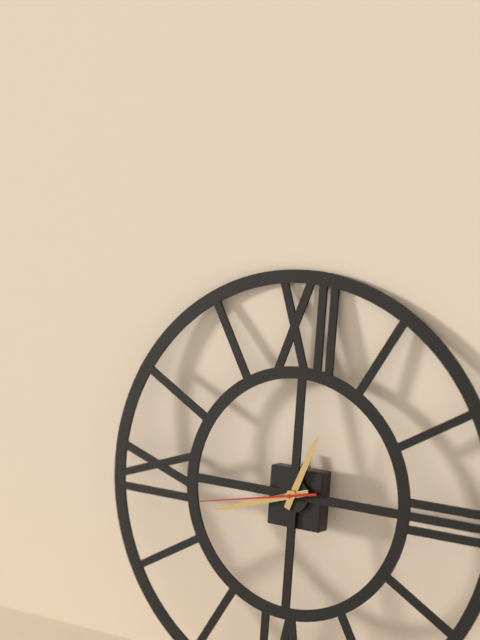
12:42:43
